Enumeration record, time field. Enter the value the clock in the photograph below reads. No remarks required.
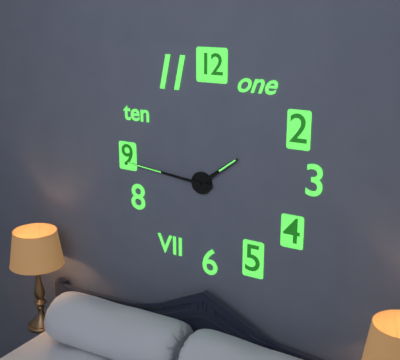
1:46
